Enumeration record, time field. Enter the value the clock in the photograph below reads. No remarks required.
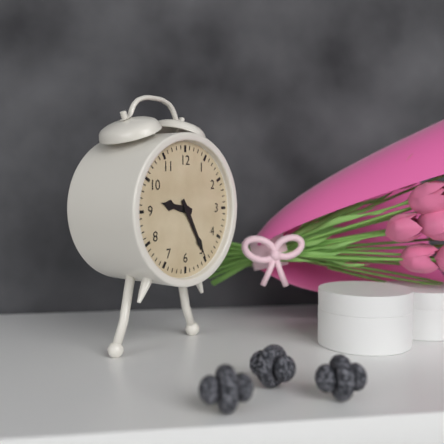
9:25
